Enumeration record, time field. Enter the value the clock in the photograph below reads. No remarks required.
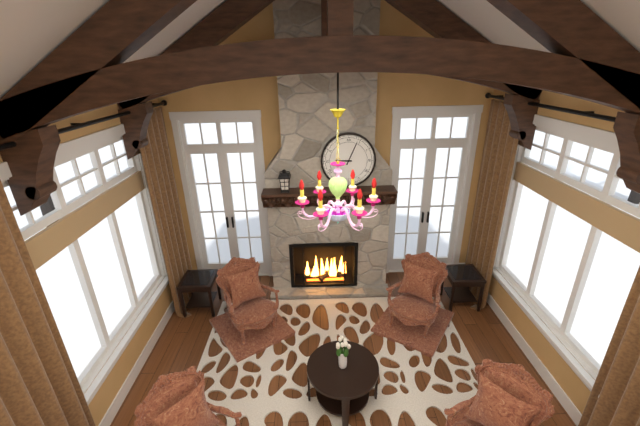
9:04
